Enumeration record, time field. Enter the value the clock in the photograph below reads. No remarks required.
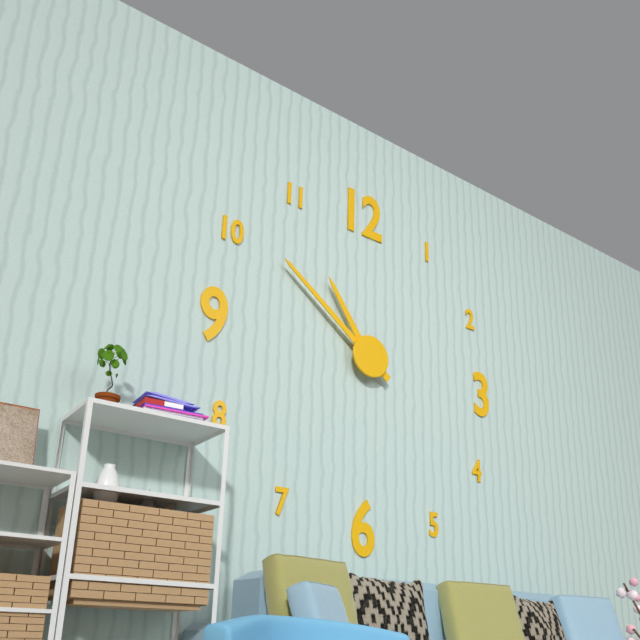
10:51
